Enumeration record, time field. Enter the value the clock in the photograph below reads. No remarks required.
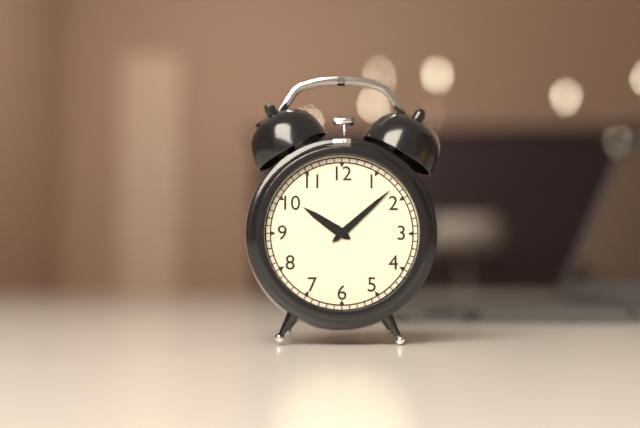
10:08
